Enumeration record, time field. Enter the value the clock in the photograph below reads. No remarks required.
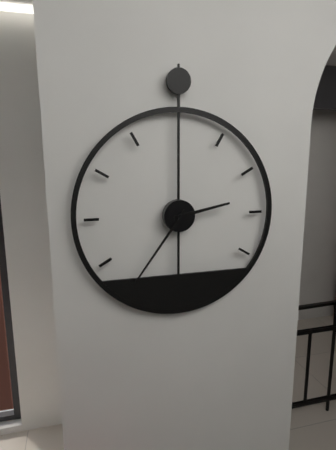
2:36
